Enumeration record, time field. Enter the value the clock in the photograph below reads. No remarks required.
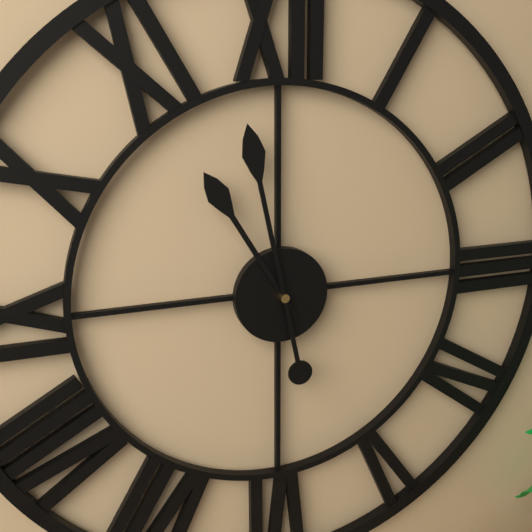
10:58
